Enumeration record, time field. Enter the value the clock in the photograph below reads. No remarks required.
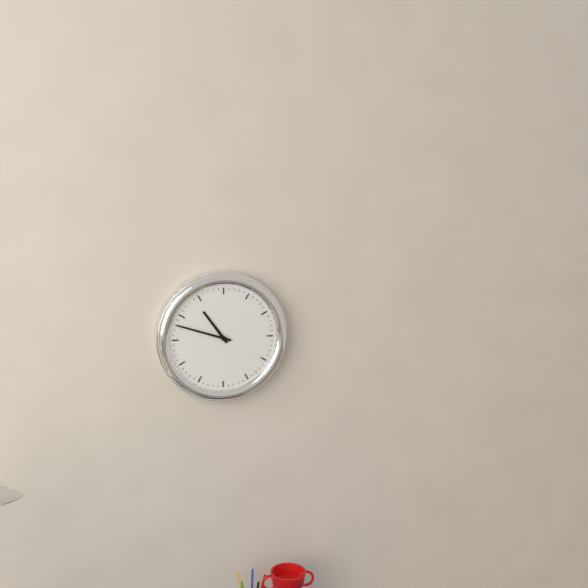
10:48
